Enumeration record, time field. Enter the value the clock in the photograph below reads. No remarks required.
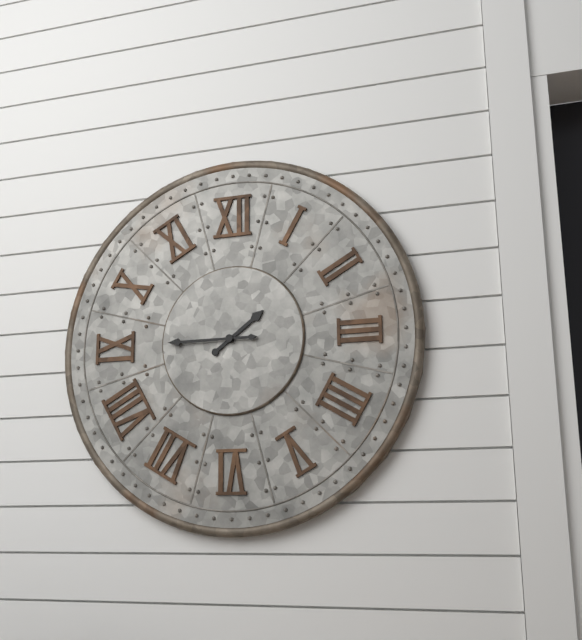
1:45
